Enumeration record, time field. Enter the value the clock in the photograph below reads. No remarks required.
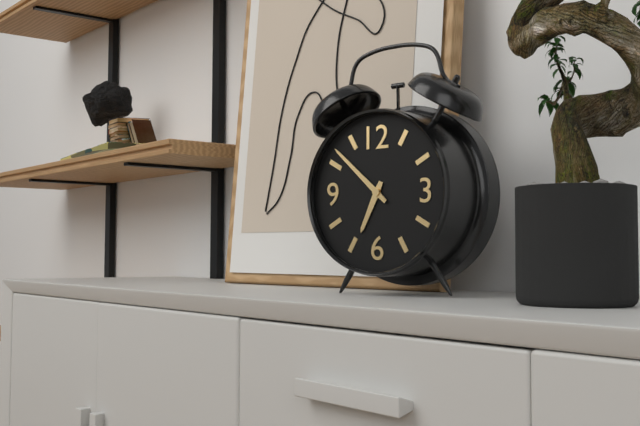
6:52
